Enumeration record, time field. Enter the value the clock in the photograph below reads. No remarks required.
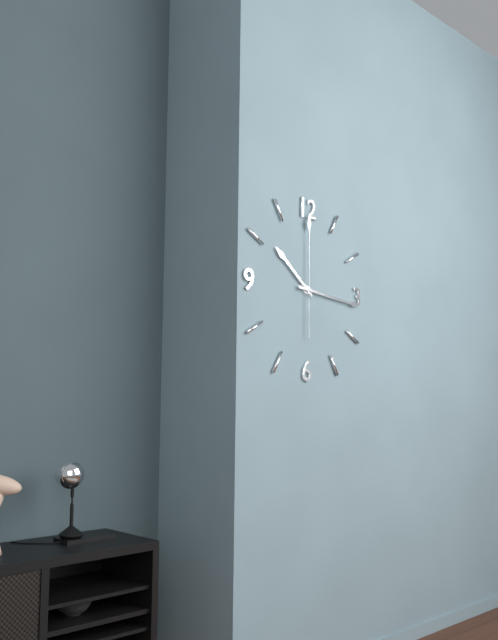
10:16:00
